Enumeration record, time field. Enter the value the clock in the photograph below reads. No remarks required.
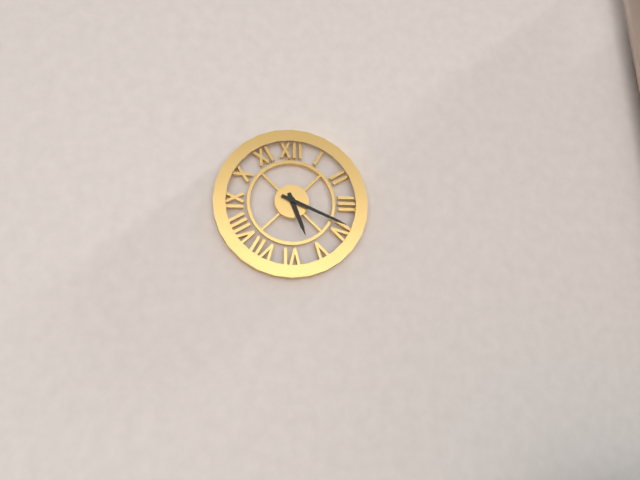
5:19
